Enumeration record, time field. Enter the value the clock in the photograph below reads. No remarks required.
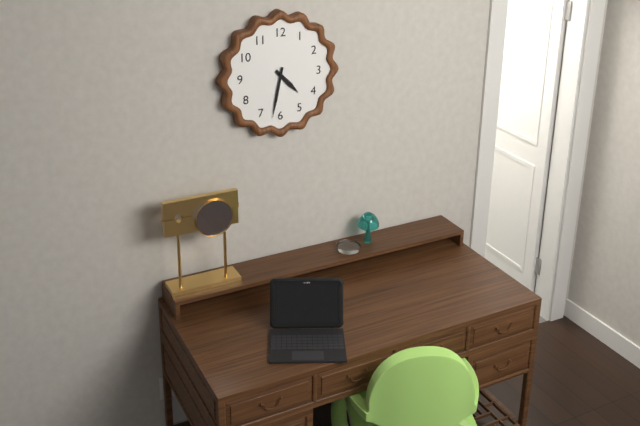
4:32
